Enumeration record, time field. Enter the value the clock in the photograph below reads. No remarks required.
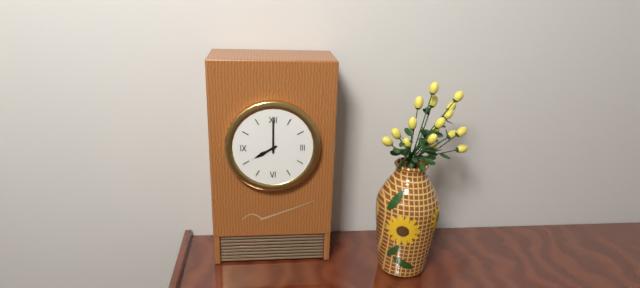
8:00
